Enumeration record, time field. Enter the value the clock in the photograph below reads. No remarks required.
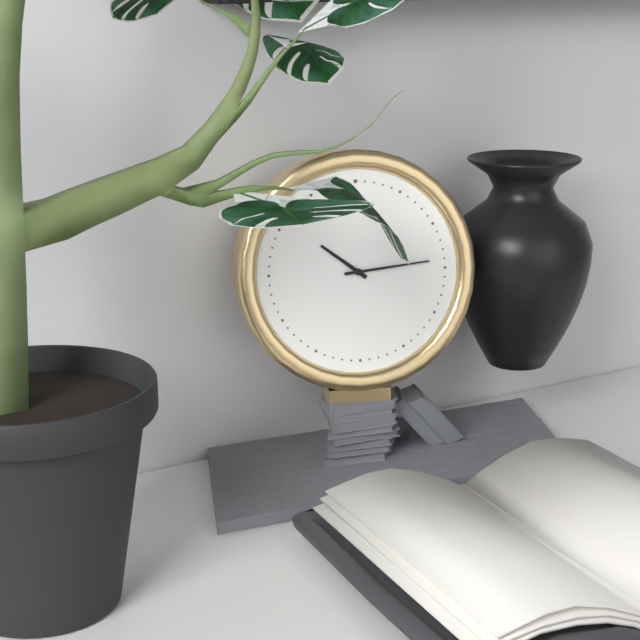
10:14
